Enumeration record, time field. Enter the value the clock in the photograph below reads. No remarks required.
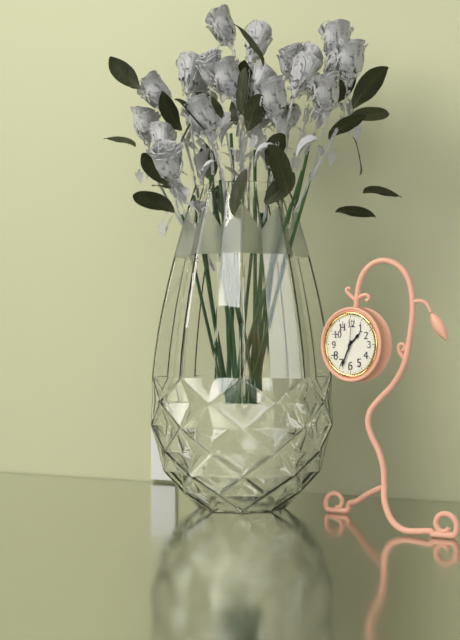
1:34
